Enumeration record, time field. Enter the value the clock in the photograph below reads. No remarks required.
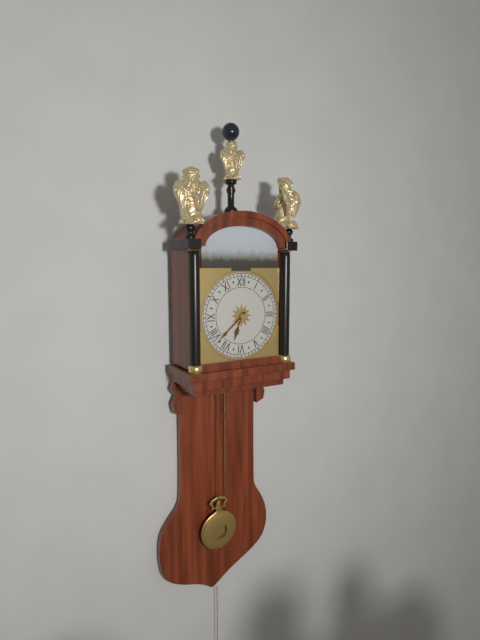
6:38
